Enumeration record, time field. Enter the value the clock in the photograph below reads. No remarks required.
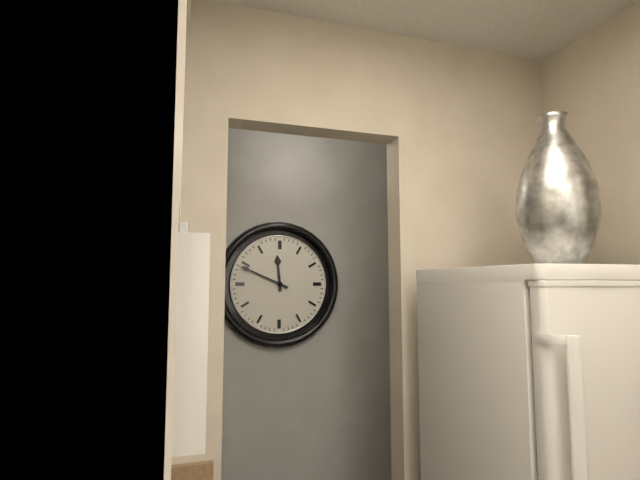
11:49
